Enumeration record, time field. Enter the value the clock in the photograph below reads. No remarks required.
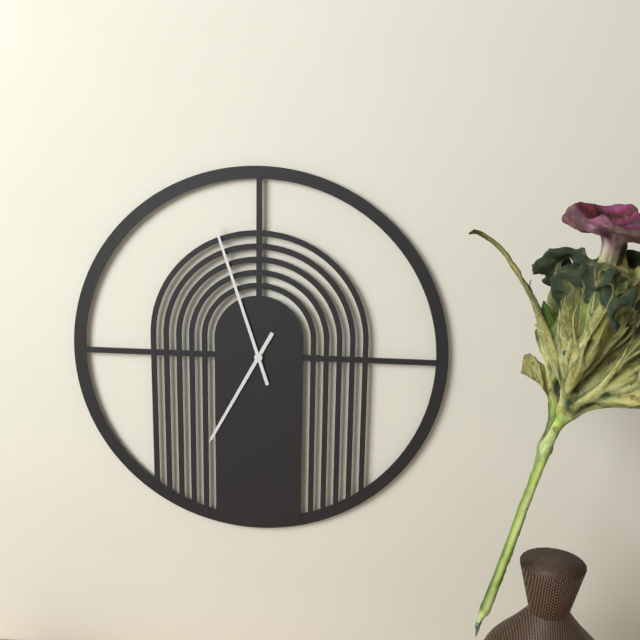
6:57
